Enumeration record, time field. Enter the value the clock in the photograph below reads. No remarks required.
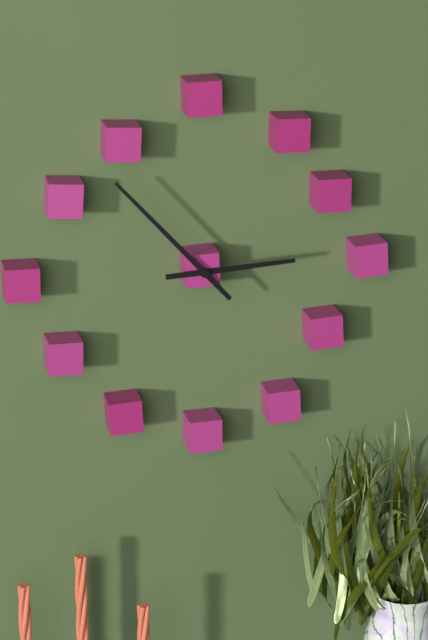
2:53
